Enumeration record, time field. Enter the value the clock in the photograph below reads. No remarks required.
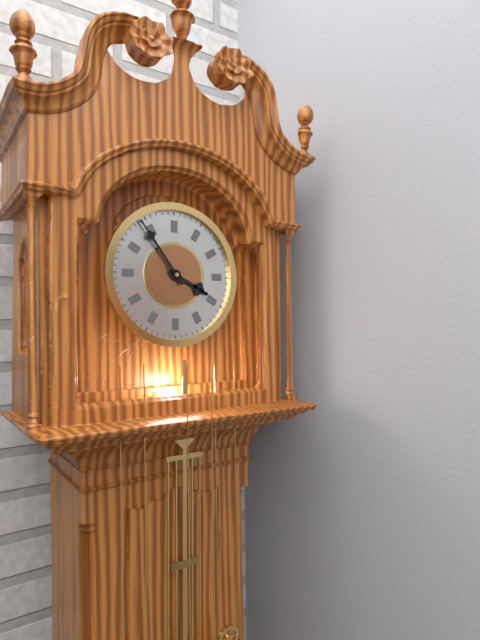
3:54
